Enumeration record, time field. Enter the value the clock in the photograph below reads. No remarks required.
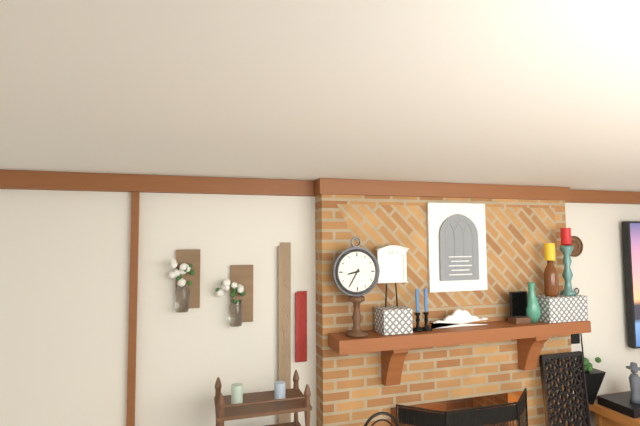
8:35
